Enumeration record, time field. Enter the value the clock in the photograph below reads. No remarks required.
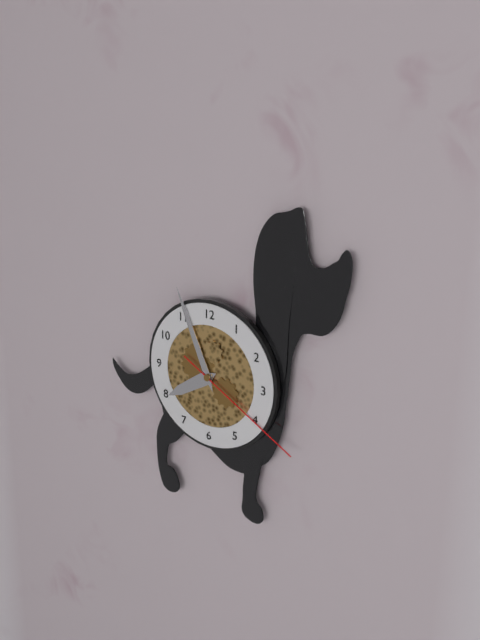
7:56:20
